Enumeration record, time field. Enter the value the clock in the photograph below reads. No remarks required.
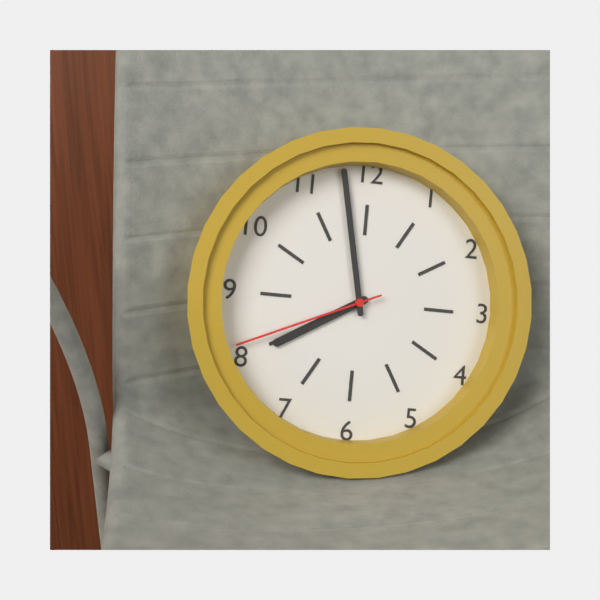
7:58:41
